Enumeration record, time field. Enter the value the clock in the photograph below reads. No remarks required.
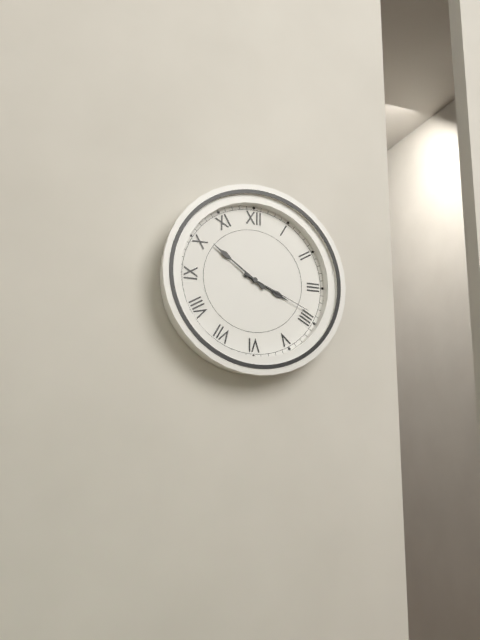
3:51:19
